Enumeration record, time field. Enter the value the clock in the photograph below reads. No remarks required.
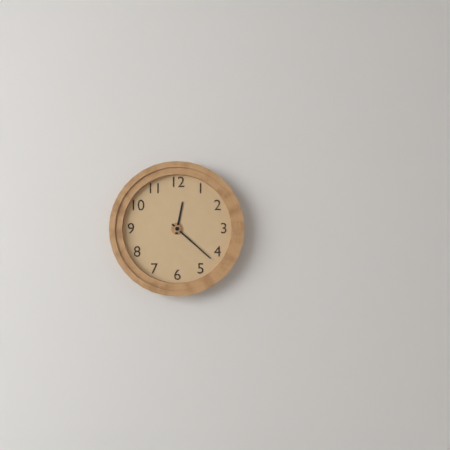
12:22
